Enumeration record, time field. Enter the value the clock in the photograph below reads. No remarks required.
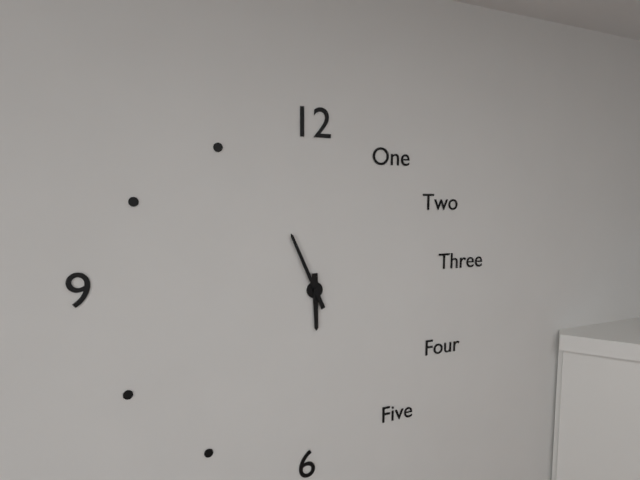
5:56
